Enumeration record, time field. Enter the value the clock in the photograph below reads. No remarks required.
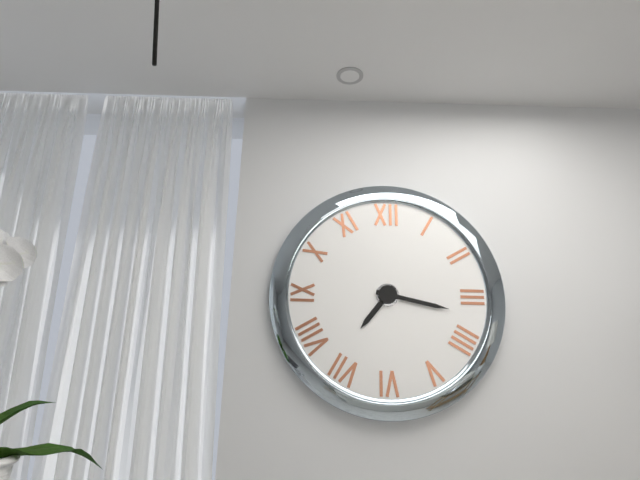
7:17
